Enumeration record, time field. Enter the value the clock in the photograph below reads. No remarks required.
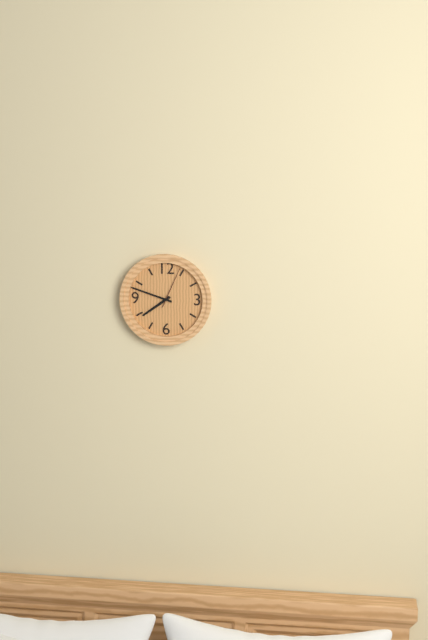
7:48
